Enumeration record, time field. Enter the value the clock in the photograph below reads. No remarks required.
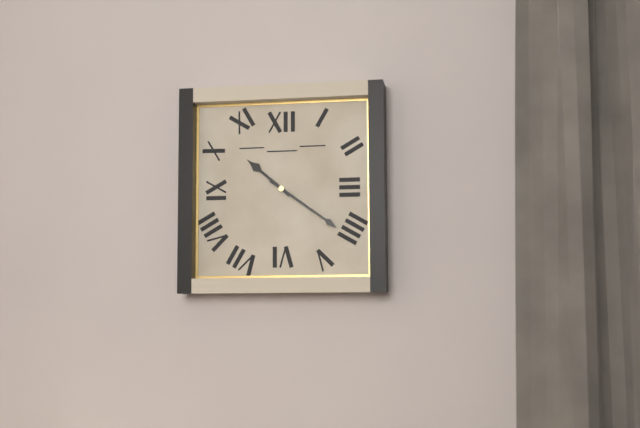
10:21
